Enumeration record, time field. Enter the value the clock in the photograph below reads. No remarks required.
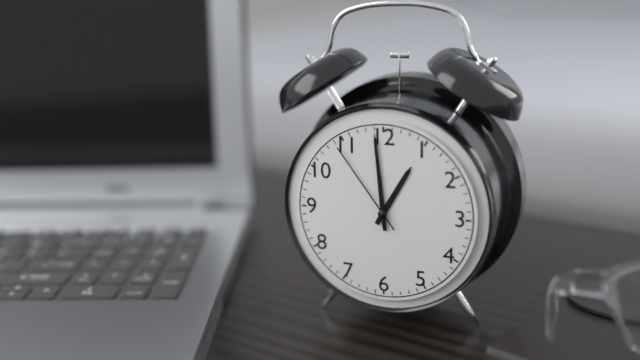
12:59:54
